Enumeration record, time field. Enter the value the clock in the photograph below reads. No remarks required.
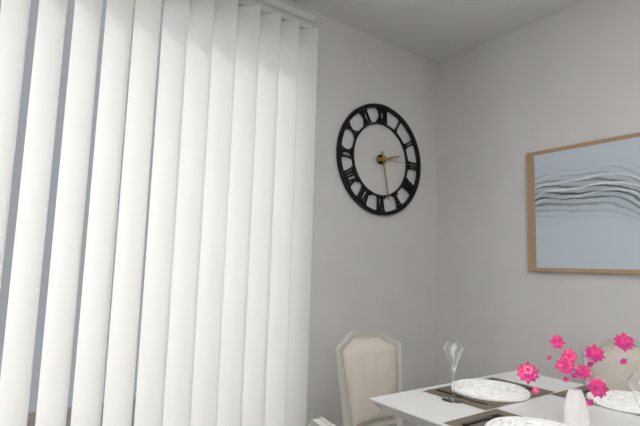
2:28
